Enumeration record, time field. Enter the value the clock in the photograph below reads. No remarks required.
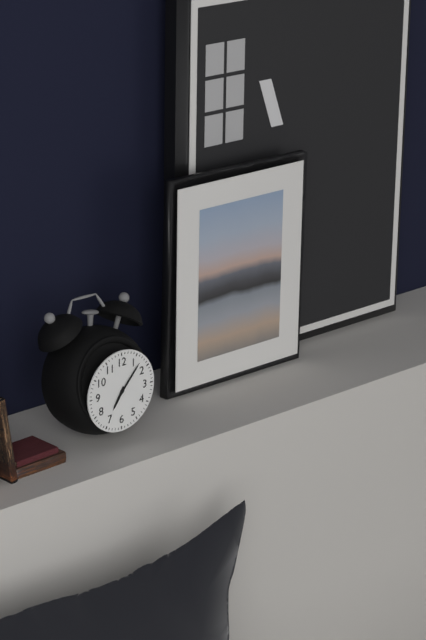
7:07
